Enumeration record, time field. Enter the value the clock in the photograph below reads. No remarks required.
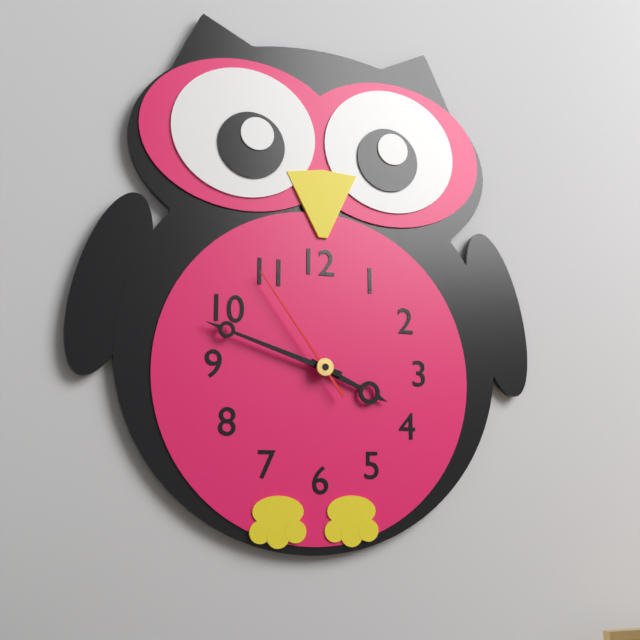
3:48:54
